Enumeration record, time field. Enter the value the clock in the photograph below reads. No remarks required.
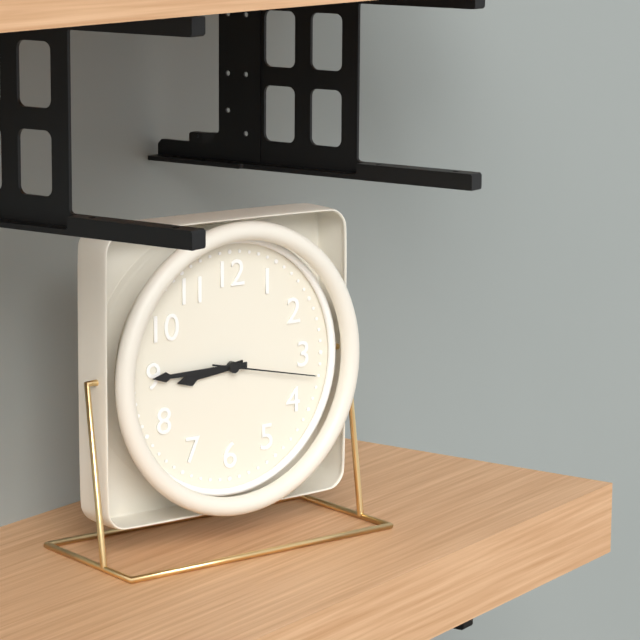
8:45:17
